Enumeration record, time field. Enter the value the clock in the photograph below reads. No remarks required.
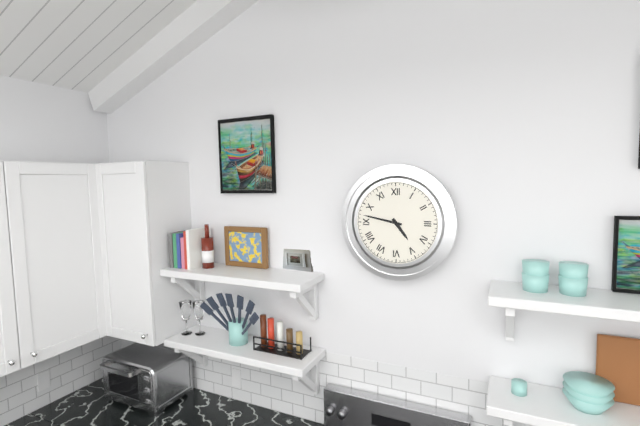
4:47
